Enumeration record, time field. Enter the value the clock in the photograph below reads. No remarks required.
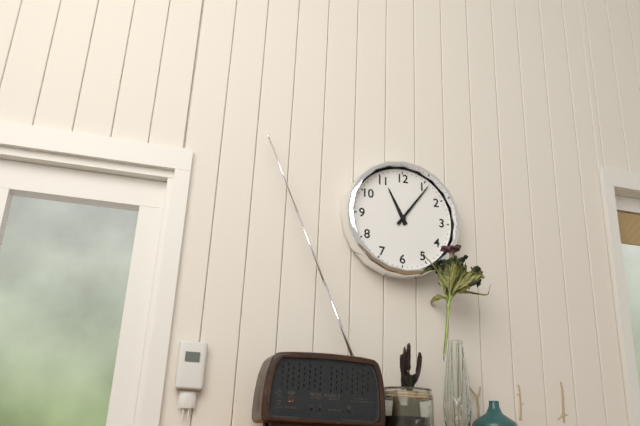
11:06
